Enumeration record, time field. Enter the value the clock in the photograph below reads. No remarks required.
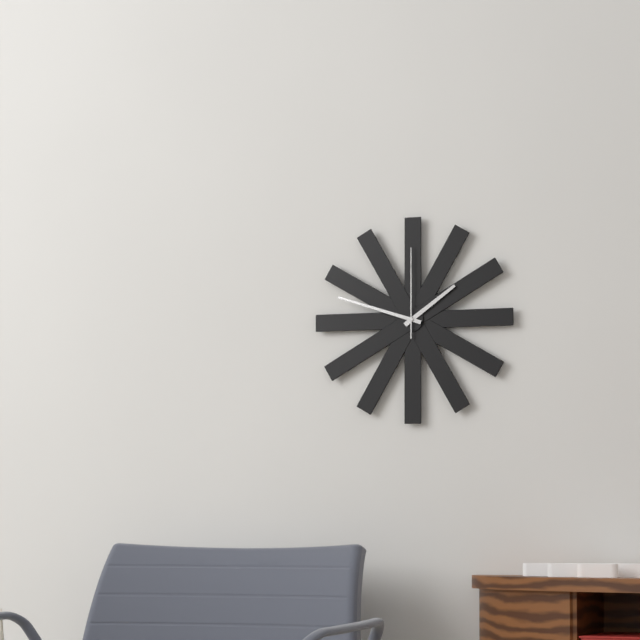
1:48:00
